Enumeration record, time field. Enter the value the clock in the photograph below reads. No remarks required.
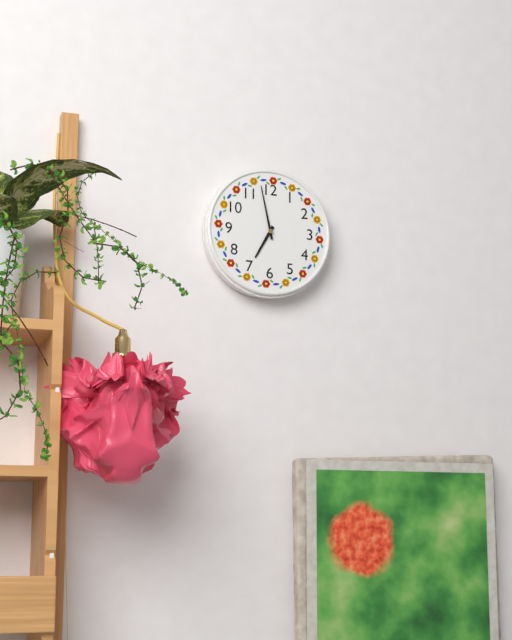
6:58
